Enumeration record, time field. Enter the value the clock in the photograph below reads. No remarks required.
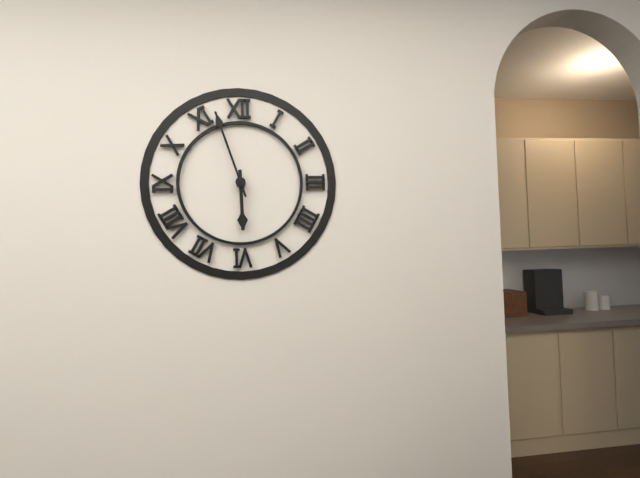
5:57
